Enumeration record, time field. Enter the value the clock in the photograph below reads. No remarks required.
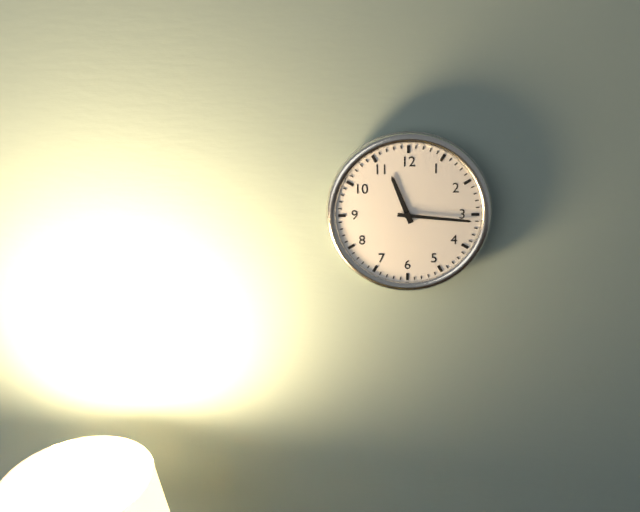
11:16
